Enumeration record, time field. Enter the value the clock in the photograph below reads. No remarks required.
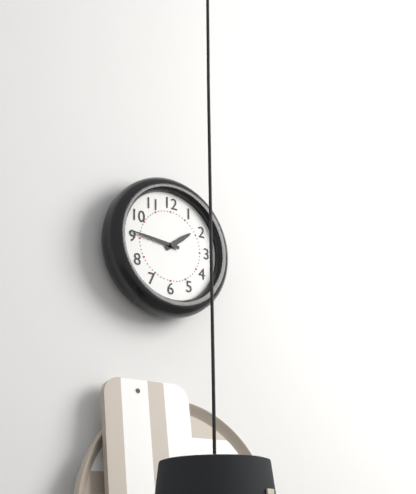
1:46
